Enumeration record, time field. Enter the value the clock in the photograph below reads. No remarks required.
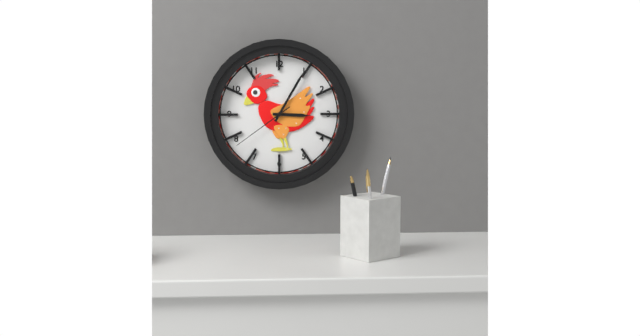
3:05:39
